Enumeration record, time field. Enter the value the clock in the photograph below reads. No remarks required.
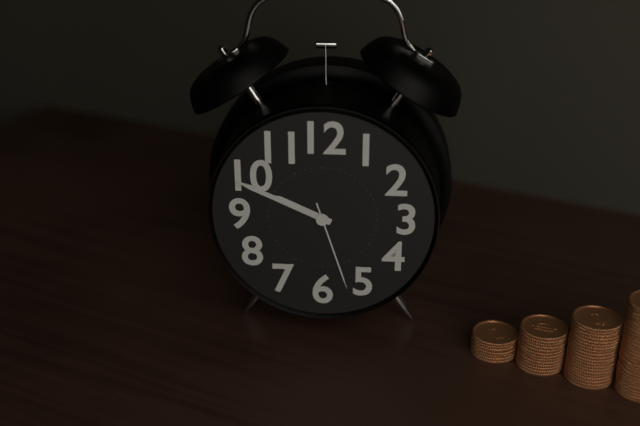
9:49:27
